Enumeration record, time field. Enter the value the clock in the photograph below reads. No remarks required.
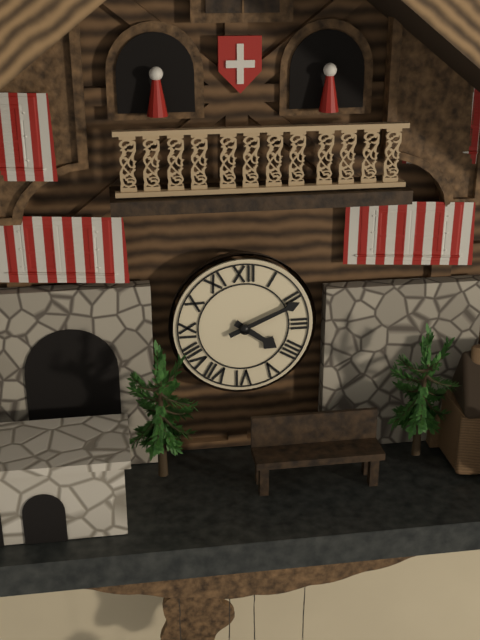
4:11
